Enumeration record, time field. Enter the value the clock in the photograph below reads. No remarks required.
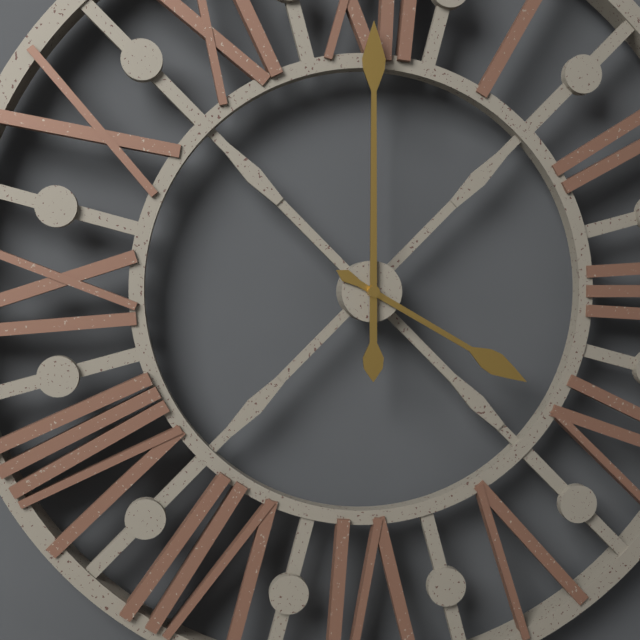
4:00
